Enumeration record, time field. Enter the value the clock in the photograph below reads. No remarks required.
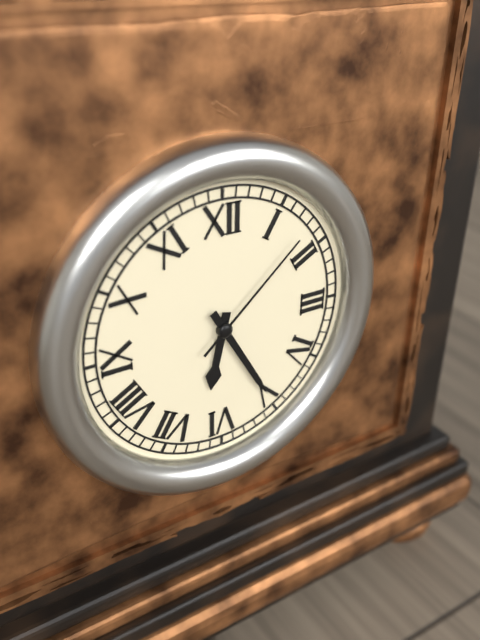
6:25:08
